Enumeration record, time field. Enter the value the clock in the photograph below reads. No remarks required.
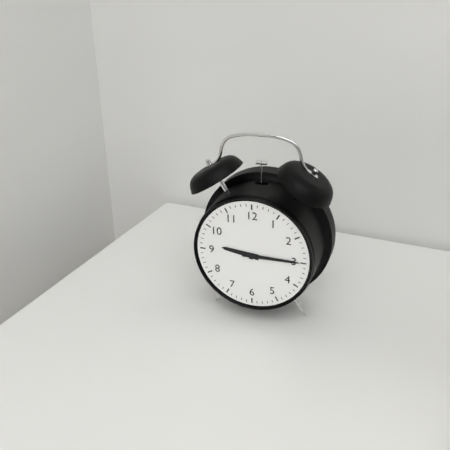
9:15
